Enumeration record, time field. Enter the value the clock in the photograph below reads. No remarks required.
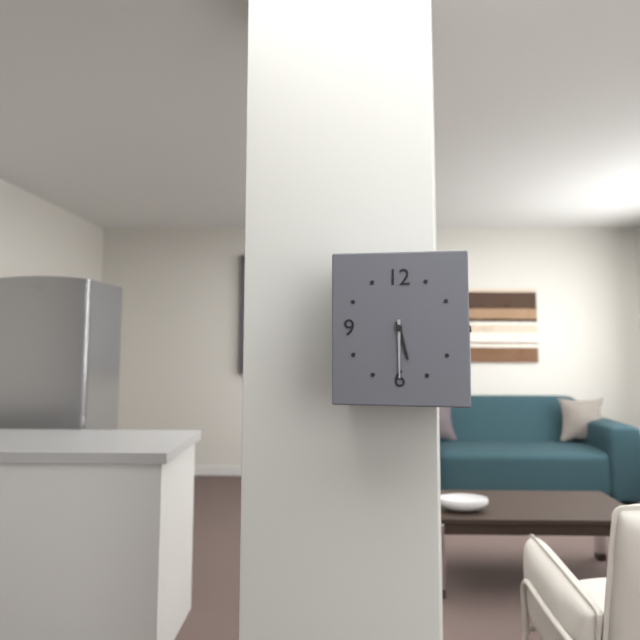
5:30
